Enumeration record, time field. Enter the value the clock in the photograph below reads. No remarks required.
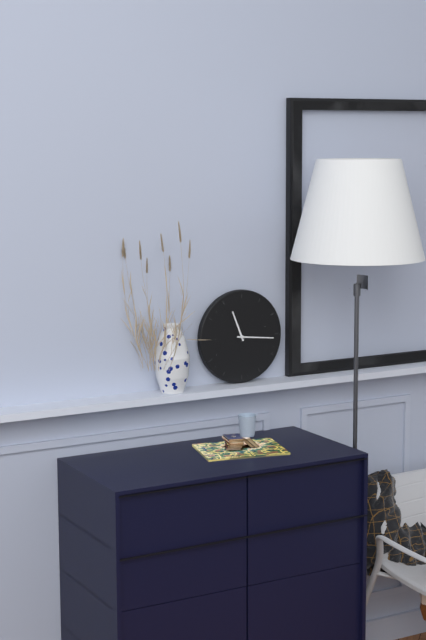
11:16
